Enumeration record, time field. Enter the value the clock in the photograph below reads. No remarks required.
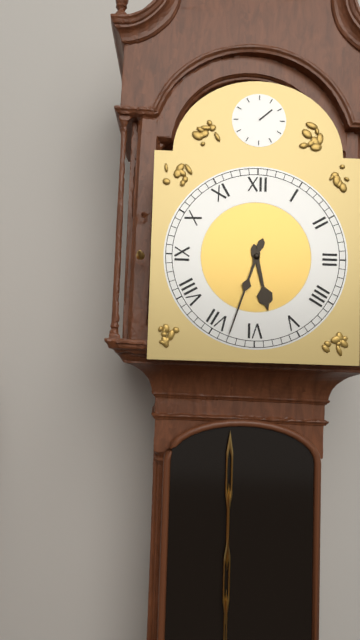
5:33
